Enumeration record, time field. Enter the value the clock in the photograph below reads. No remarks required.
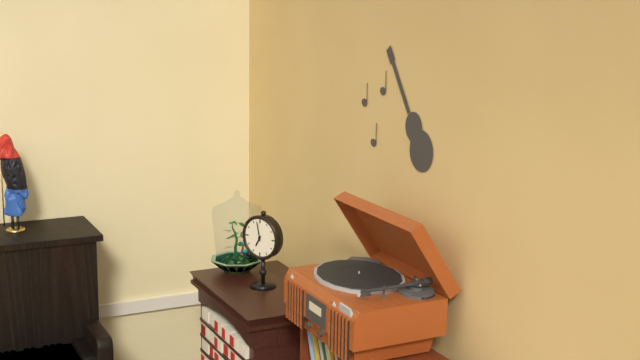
6:58
